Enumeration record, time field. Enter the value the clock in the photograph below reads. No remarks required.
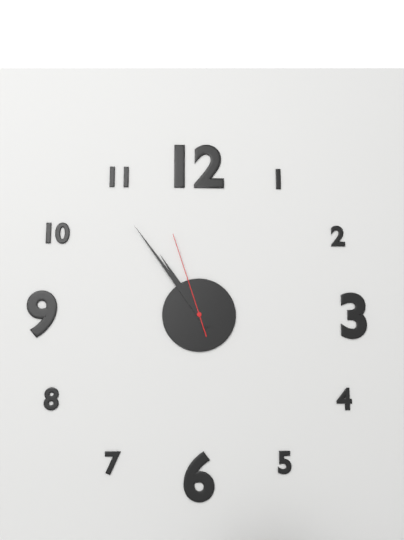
10:54:57
